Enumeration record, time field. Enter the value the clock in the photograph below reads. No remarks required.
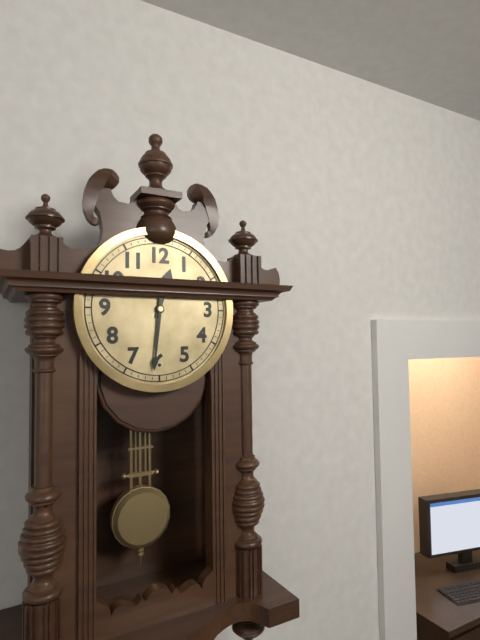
12:31
